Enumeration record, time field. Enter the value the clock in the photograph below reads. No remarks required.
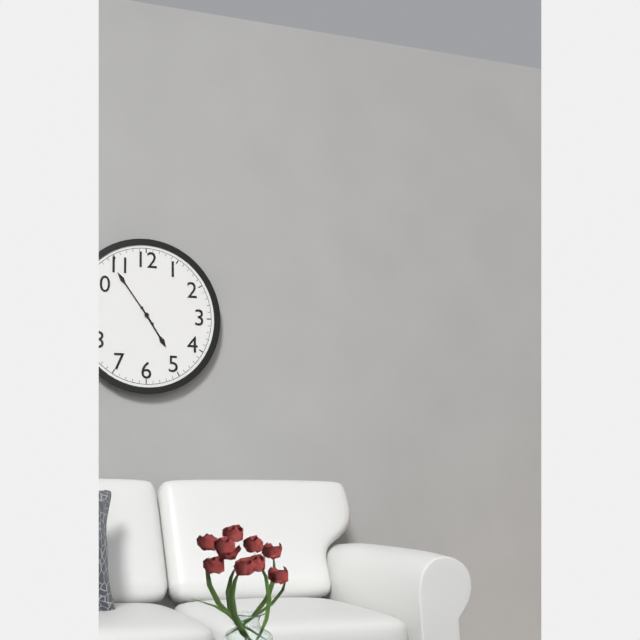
4:54
